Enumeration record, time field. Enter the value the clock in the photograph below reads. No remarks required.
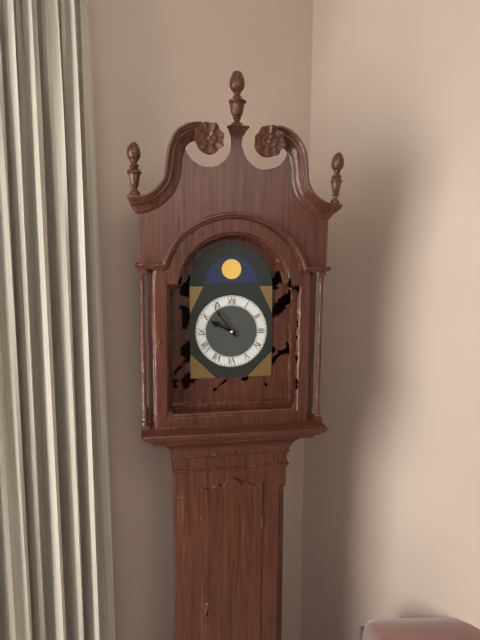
9:54
